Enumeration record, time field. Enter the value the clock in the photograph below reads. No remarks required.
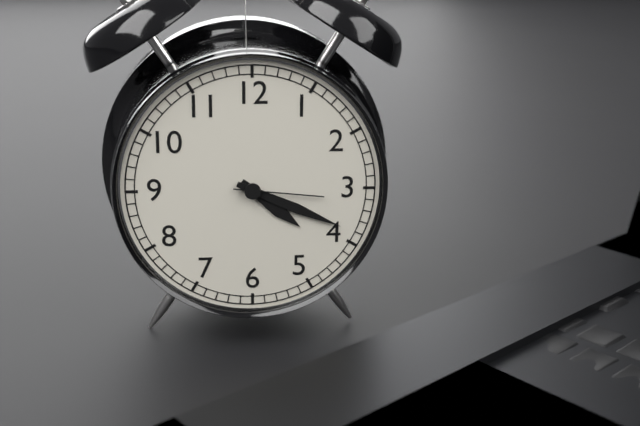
4:19:16
